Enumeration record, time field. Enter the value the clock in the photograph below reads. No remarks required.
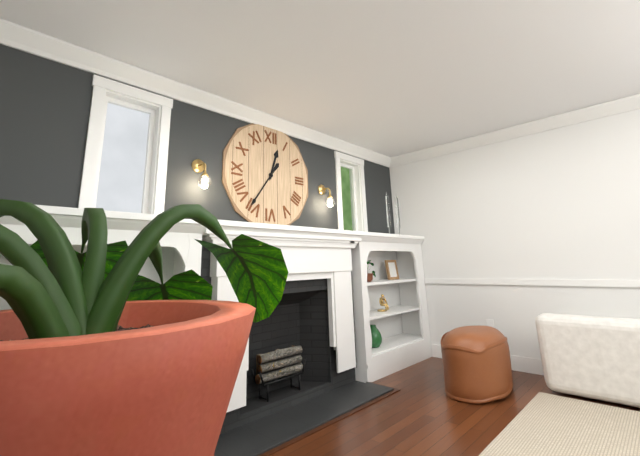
12:36
